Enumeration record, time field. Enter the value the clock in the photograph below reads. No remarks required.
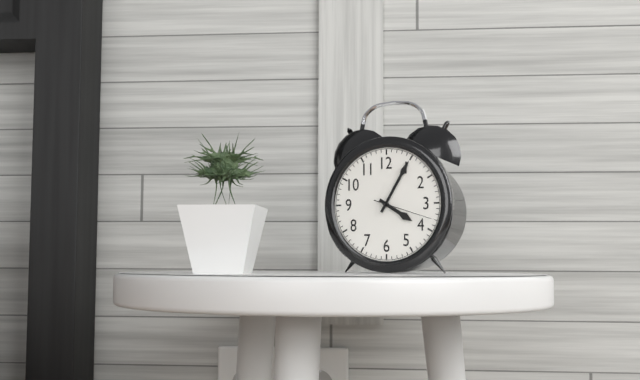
4:05:18
